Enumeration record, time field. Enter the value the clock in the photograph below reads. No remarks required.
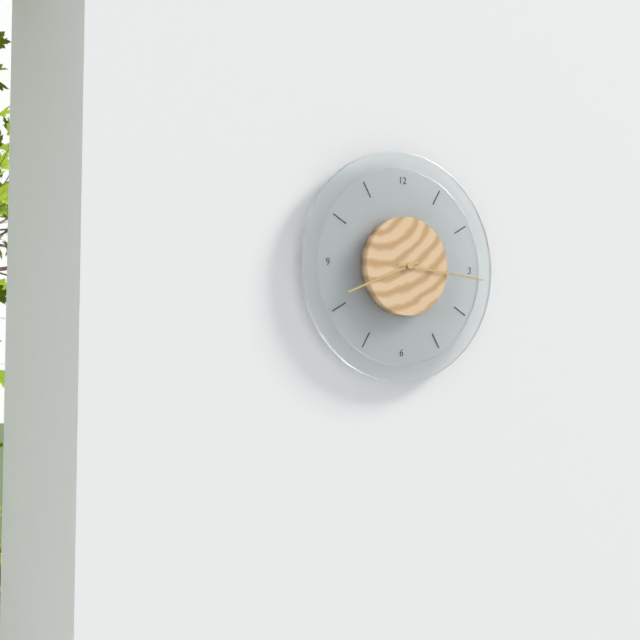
8:16
